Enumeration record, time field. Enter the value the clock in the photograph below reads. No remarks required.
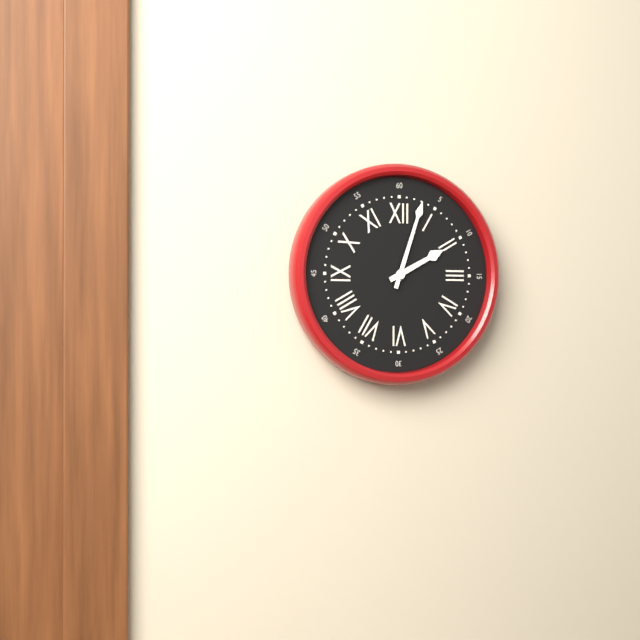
2:03
